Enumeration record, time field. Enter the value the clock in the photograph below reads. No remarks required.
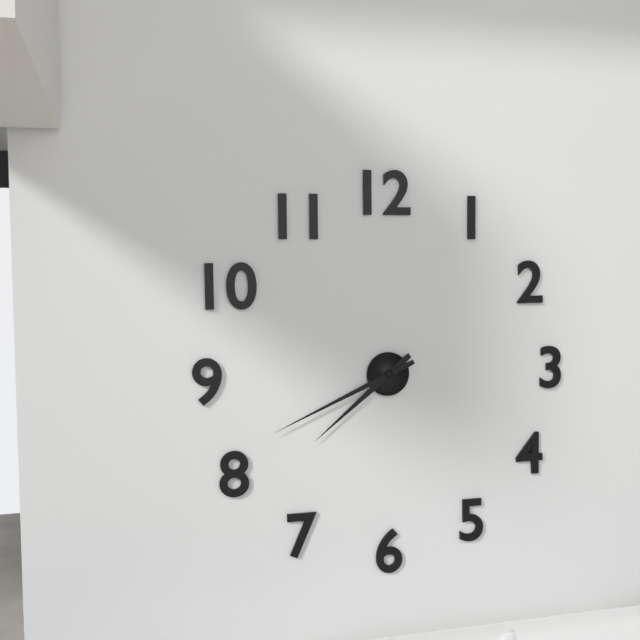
7:41
